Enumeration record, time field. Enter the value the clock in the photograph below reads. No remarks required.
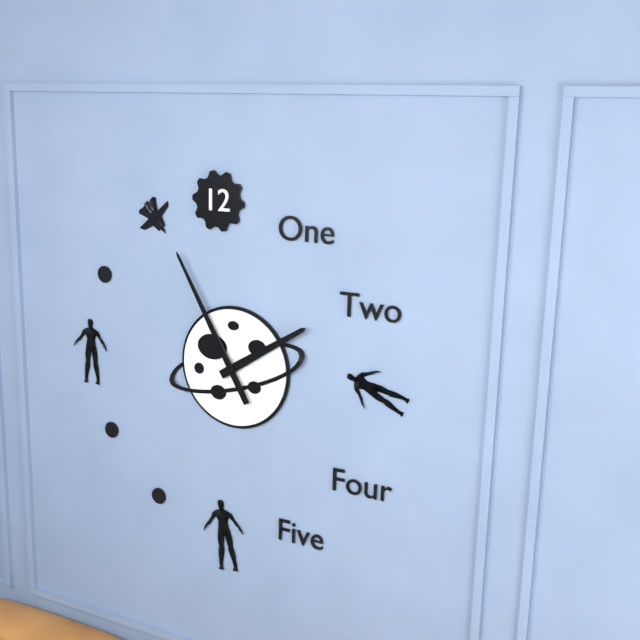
1:55
